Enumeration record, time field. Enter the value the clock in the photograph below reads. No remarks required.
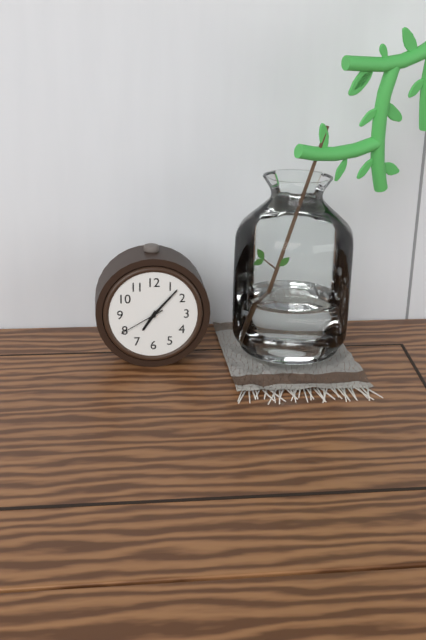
7:07
